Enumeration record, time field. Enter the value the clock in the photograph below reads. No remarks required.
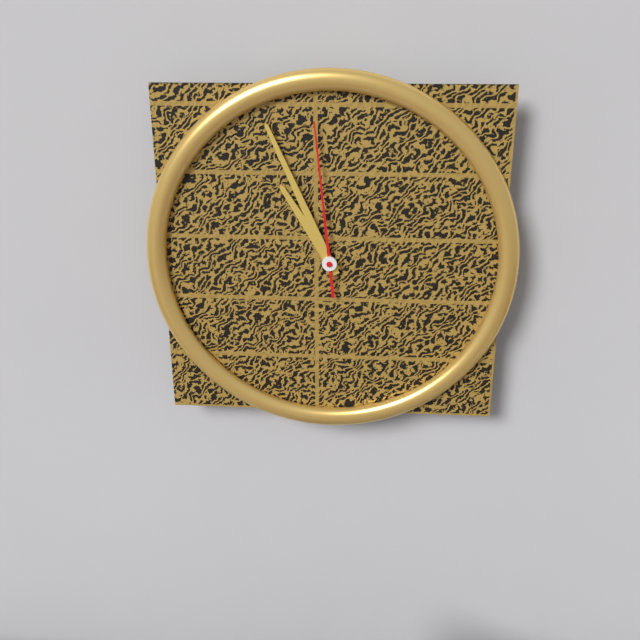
10:56:59
